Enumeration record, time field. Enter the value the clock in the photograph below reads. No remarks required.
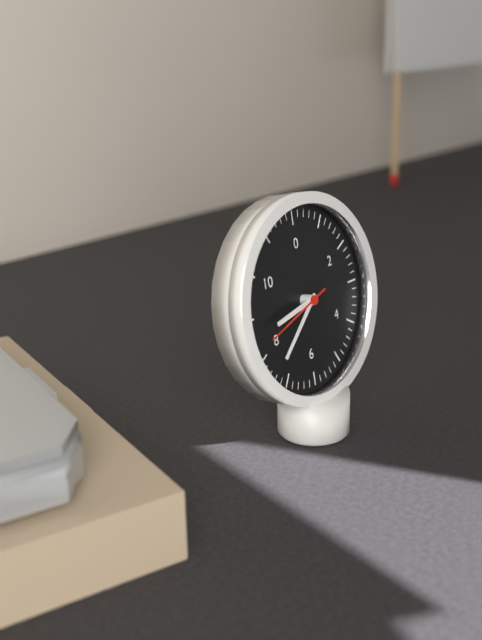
8:38:42
